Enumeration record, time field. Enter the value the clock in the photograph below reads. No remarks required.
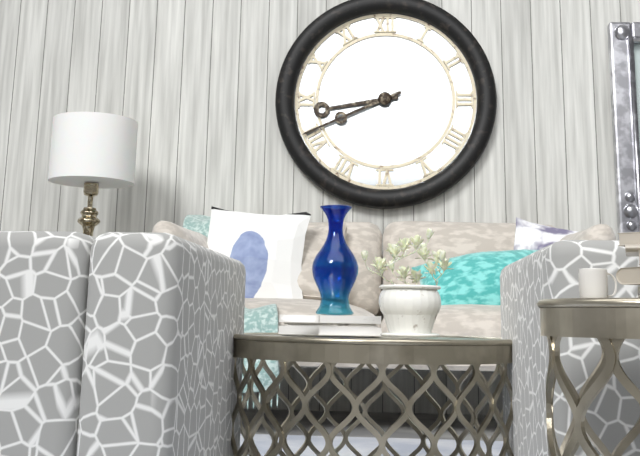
8:41
